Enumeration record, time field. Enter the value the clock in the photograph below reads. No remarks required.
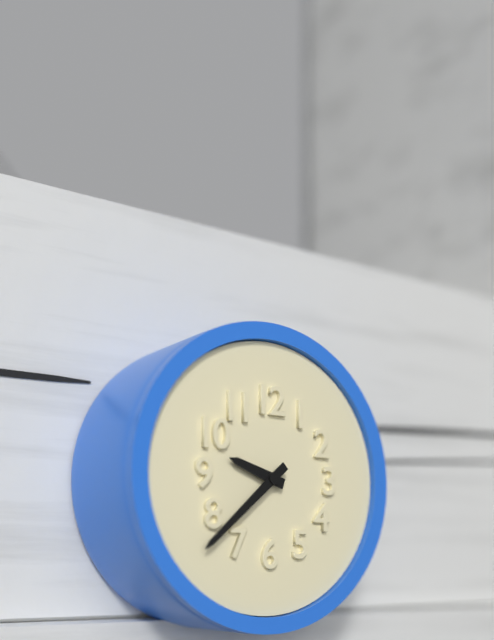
9:38
